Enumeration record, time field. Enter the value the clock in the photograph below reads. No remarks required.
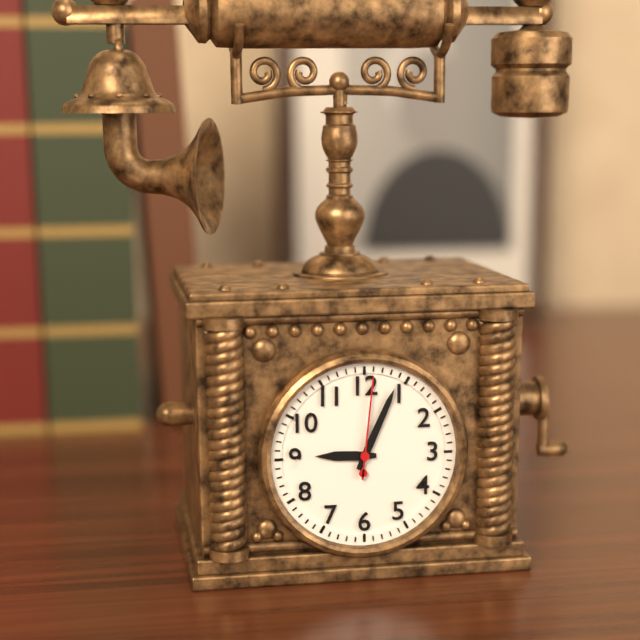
9:04:01
